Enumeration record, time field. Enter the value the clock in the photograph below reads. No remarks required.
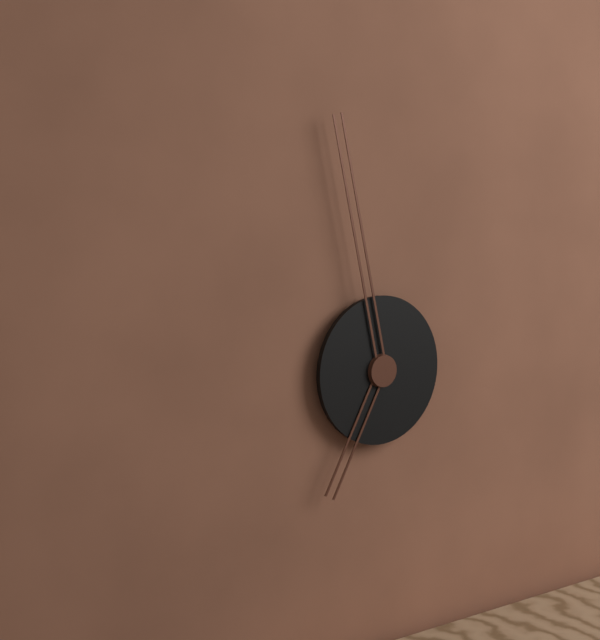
6:58
